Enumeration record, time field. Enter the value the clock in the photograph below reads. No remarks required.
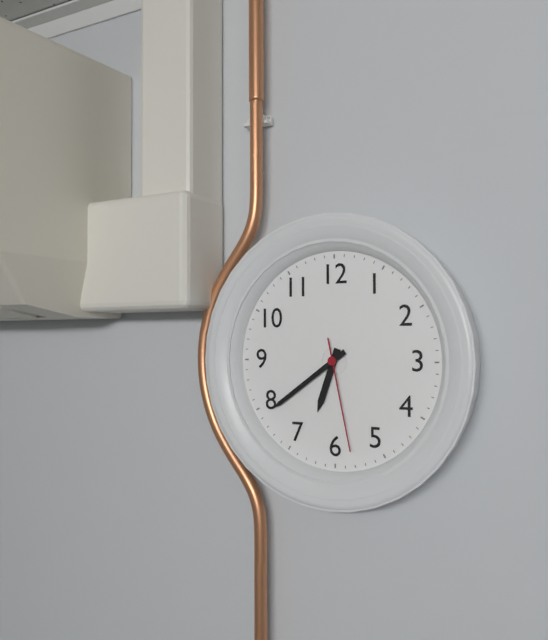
6:39:28
